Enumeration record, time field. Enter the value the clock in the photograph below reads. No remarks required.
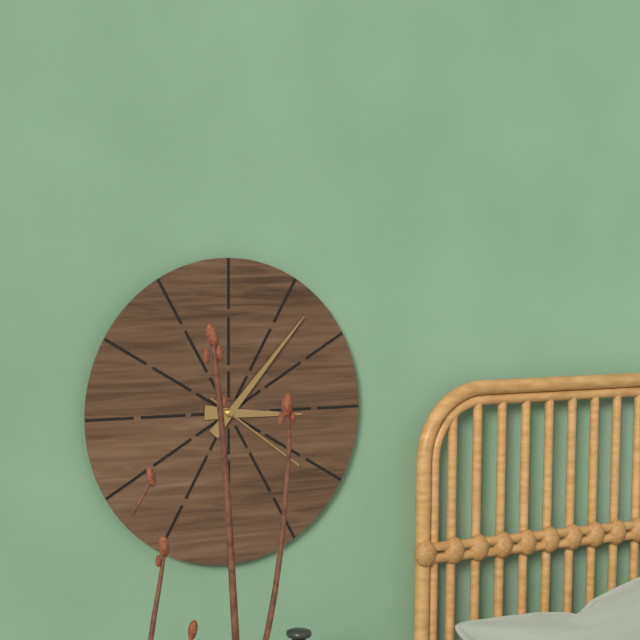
3:07:21
